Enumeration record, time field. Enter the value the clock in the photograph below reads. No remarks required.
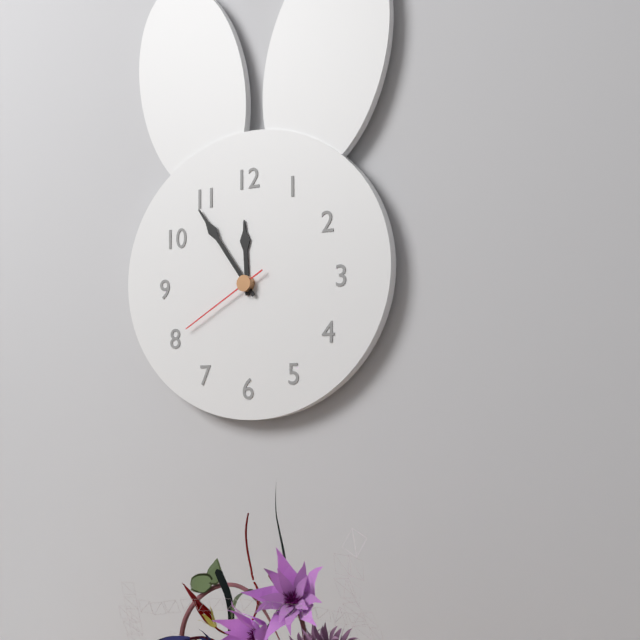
11:54:40
